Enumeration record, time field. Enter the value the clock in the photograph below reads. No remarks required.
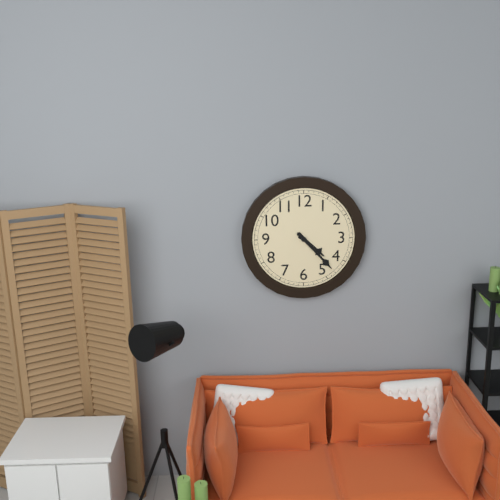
4:23
